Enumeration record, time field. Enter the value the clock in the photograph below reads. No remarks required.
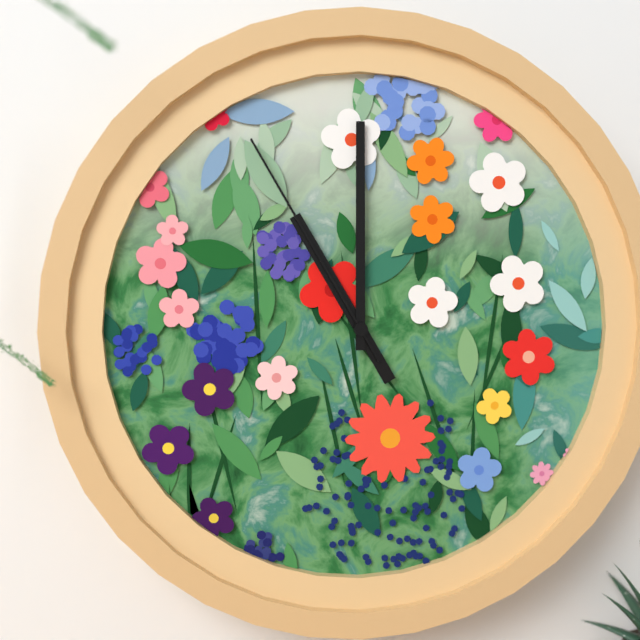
11:00:55
